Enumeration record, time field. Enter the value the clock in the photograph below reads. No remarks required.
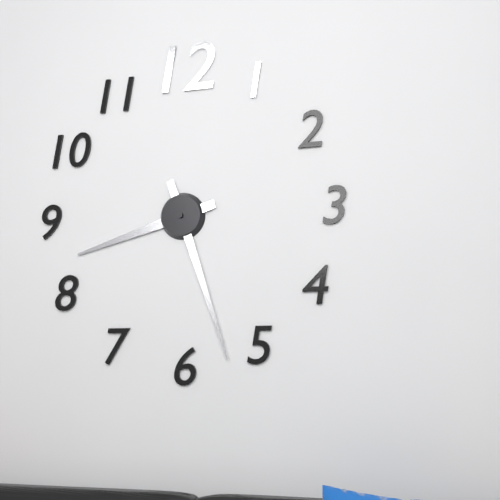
8:27
